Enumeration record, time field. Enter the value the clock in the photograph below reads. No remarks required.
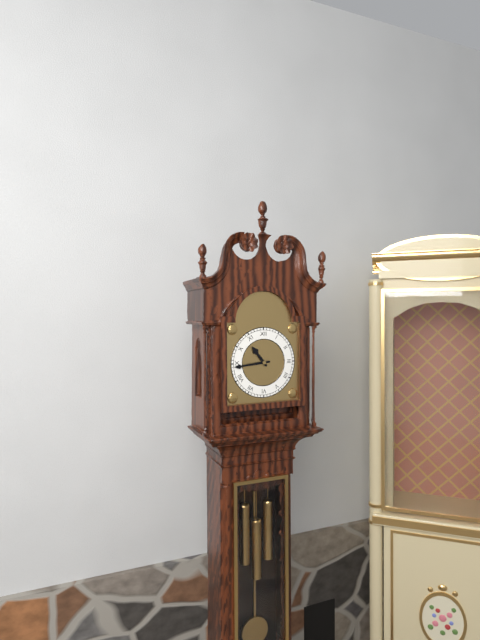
10:44
